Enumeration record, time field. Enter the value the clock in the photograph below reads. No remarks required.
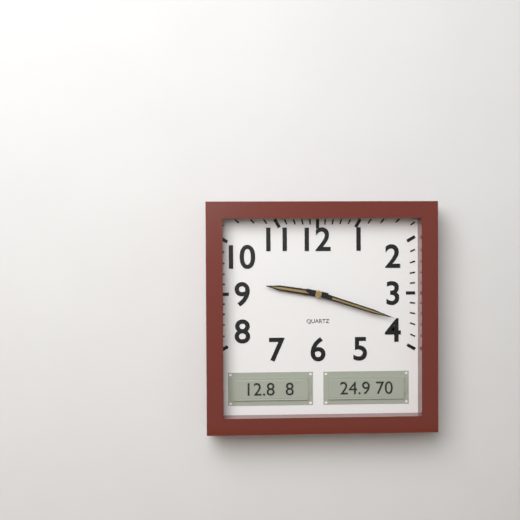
9:18
